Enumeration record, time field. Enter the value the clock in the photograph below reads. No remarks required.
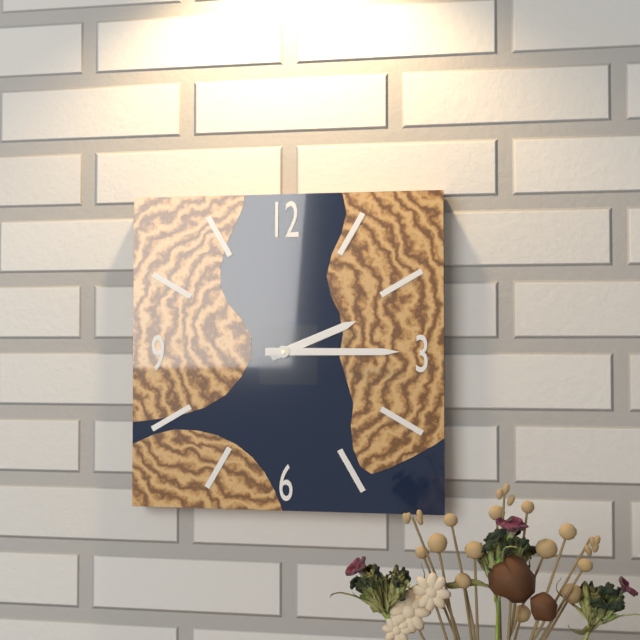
2:15
